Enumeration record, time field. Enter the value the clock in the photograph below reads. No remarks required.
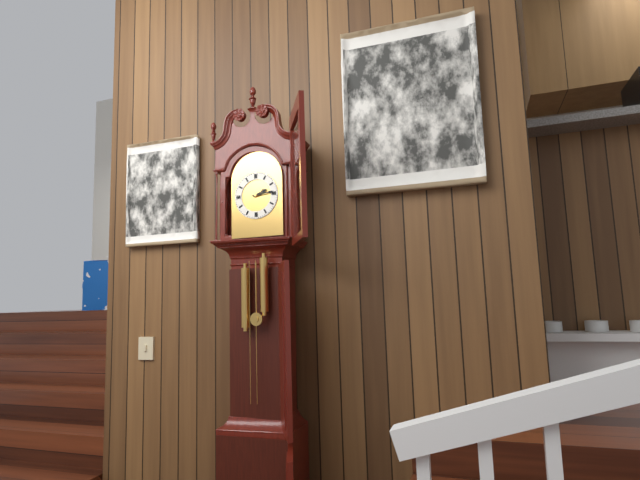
2:14
